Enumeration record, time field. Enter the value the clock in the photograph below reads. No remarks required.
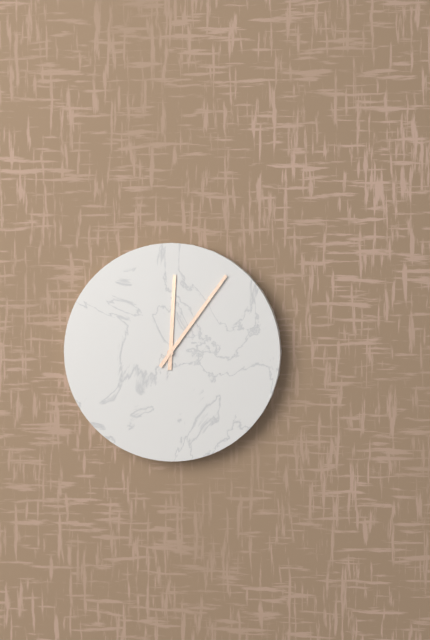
12:06
